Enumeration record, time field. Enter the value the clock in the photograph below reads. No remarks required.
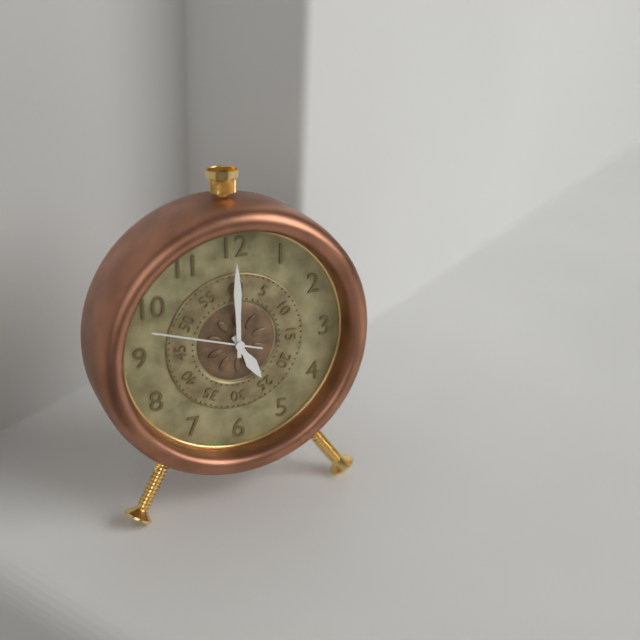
5:00:48
